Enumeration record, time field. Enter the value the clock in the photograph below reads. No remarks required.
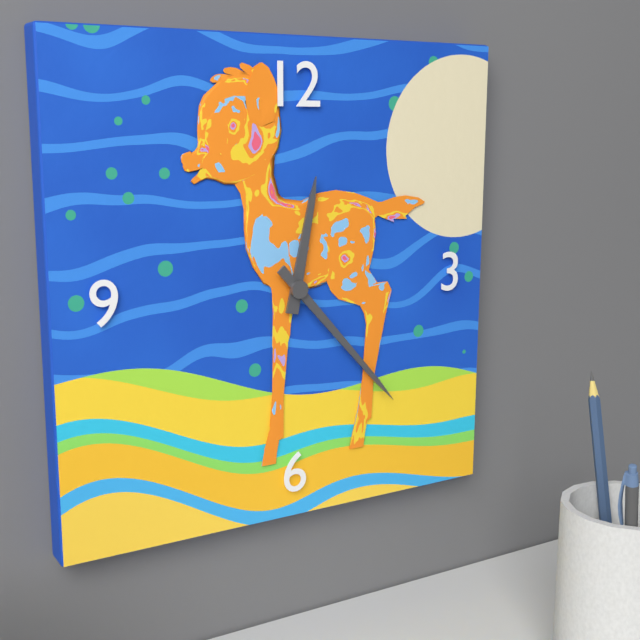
12:23
